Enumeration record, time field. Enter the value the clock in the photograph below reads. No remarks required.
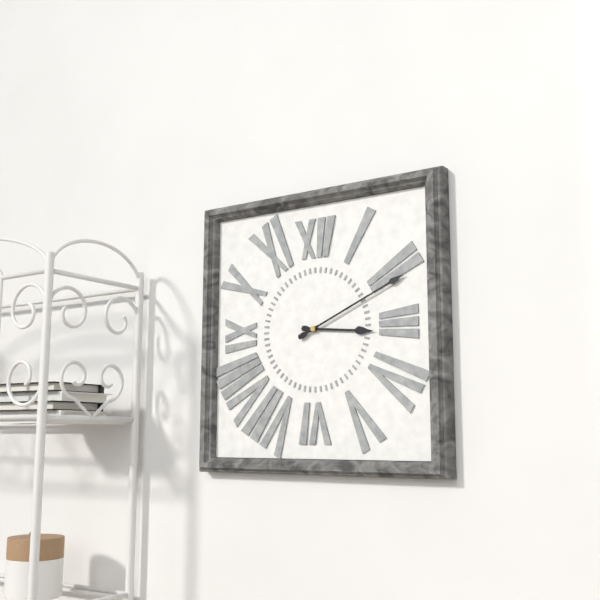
3:11
